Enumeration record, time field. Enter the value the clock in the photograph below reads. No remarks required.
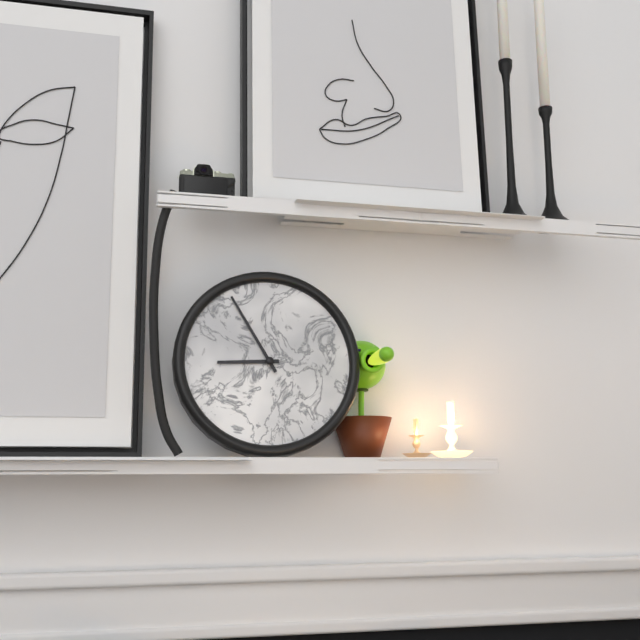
8:55
